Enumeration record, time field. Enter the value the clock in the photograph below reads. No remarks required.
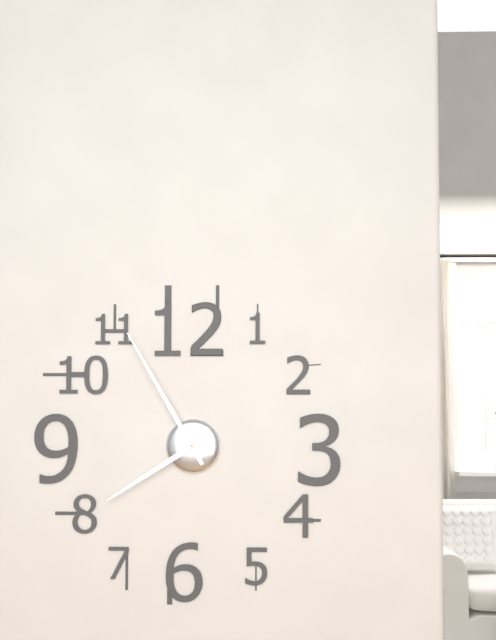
7:55
